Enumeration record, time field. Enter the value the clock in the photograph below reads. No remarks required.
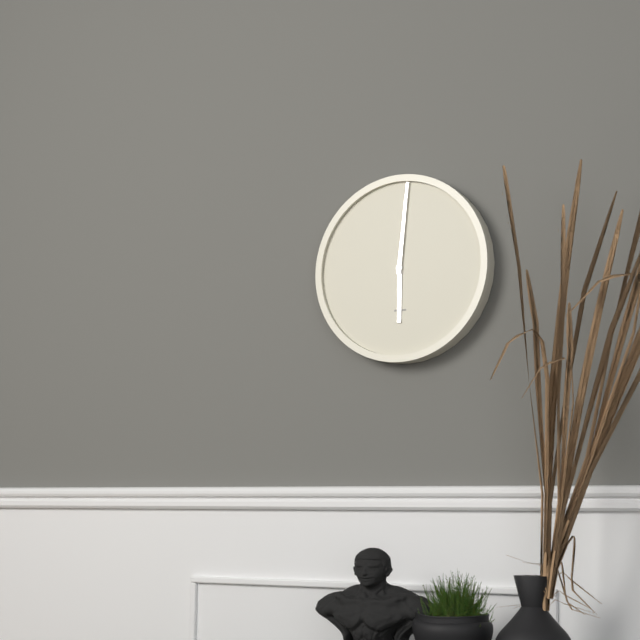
6:01
